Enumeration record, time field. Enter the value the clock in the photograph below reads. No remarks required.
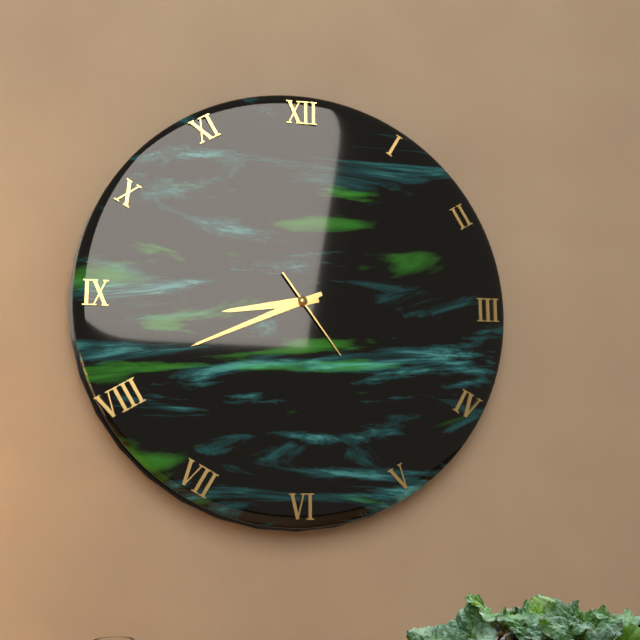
8:41:24
